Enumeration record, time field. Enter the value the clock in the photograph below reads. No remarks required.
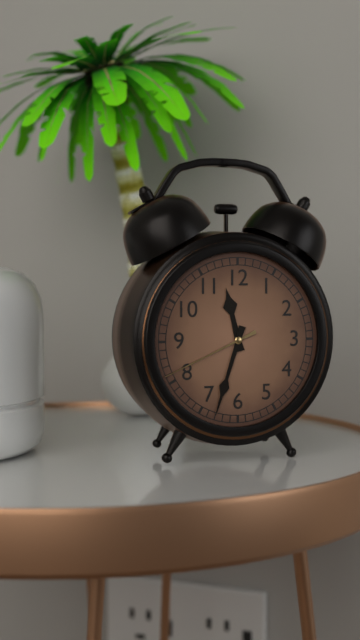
11:33:41
